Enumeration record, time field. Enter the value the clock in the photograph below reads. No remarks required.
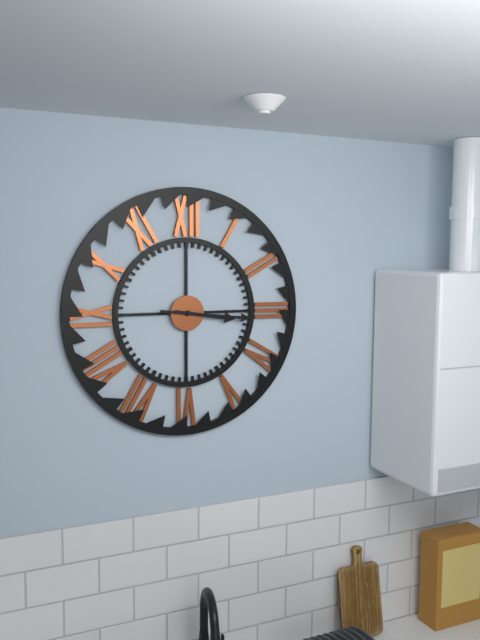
3:16
